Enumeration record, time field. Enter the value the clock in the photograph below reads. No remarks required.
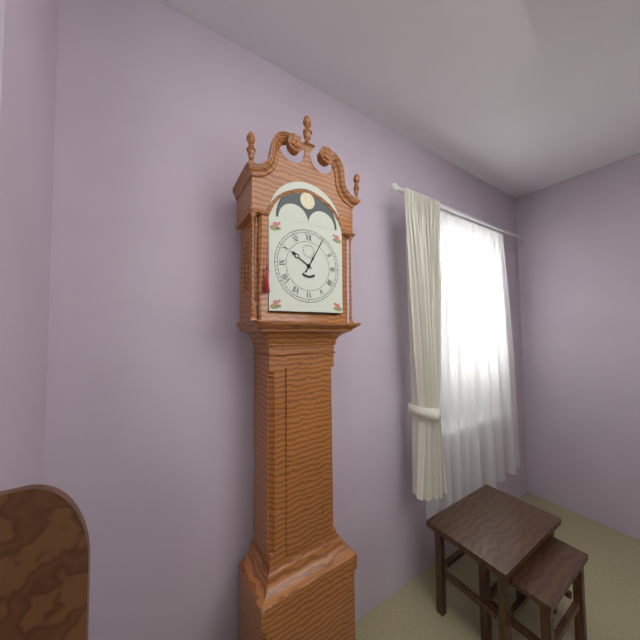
10:05
